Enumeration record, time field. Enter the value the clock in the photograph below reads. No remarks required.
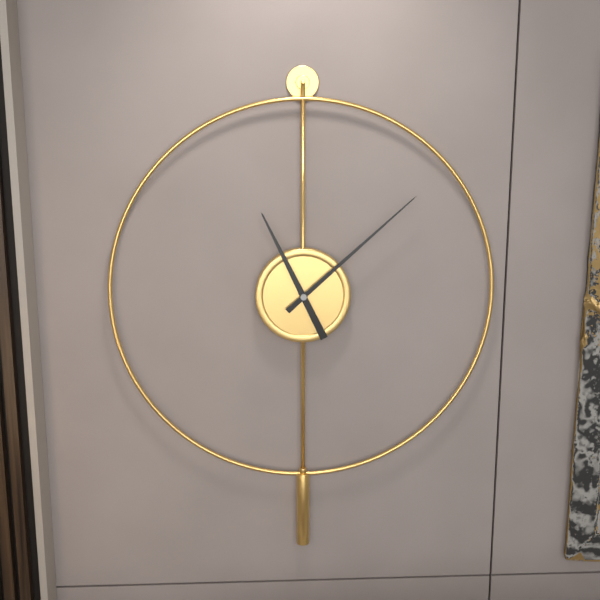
11:08
